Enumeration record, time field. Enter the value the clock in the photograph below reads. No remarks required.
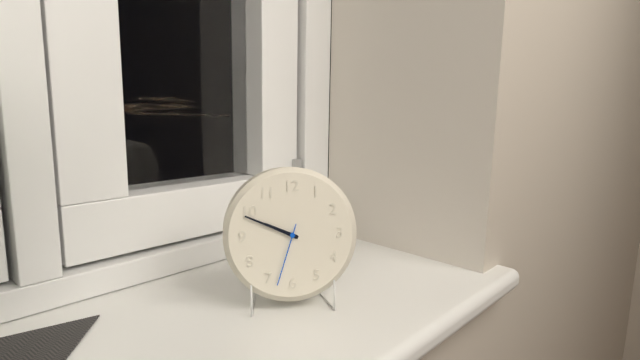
9:49:33
